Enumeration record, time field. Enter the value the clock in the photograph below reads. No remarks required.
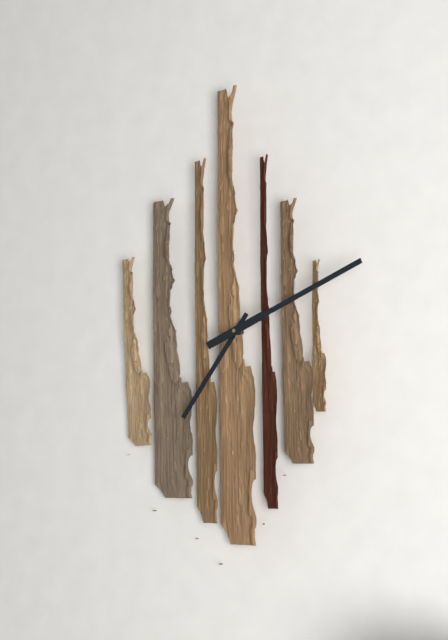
7:11
